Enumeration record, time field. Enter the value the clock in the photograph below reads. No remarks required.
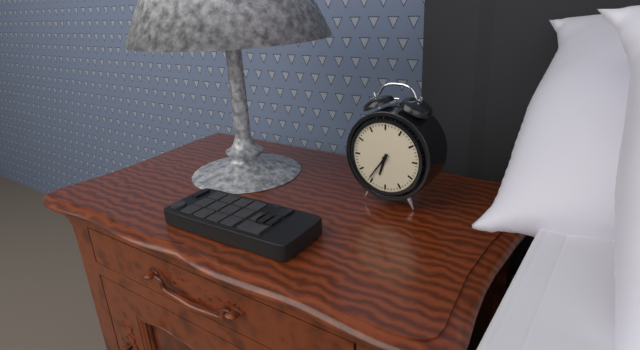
6:36
